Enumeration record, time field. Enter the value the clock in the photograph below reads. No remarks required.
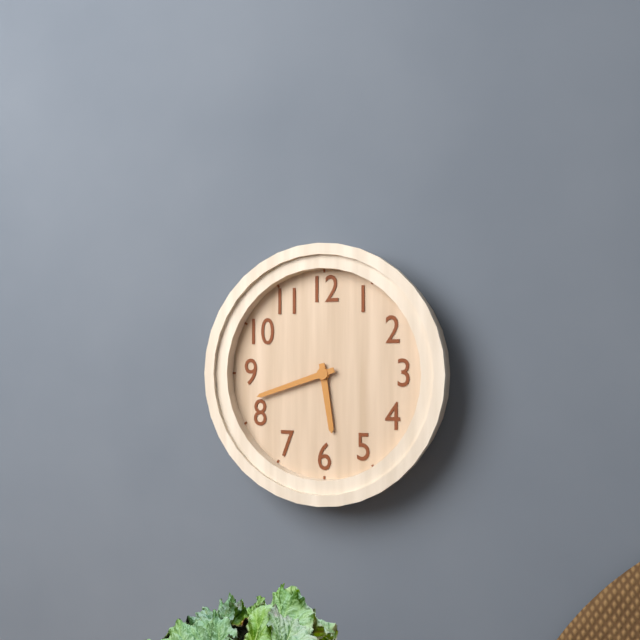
5:42
